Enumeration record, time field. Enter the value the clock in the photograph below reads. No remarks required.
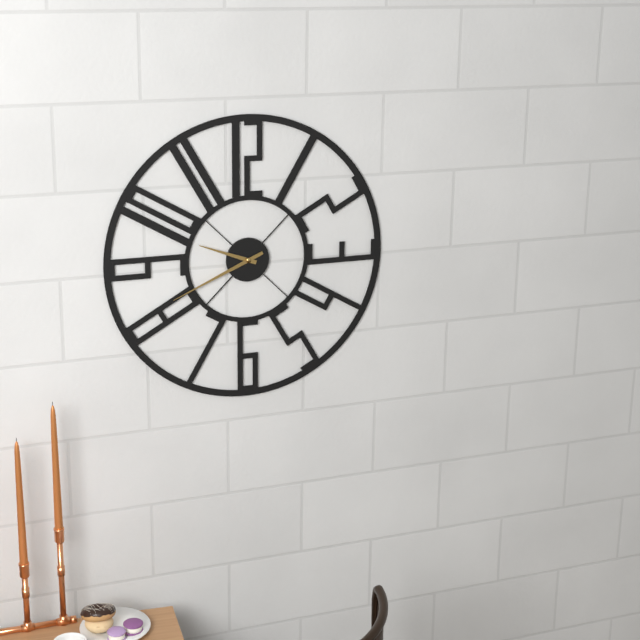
9:41
